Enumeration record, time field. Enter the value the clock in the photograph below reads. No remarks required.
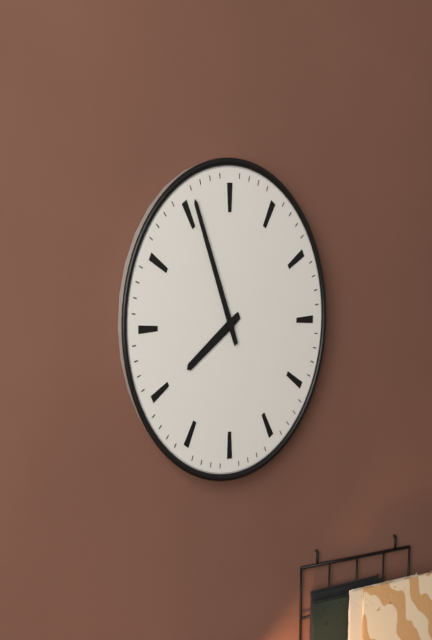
7:56
